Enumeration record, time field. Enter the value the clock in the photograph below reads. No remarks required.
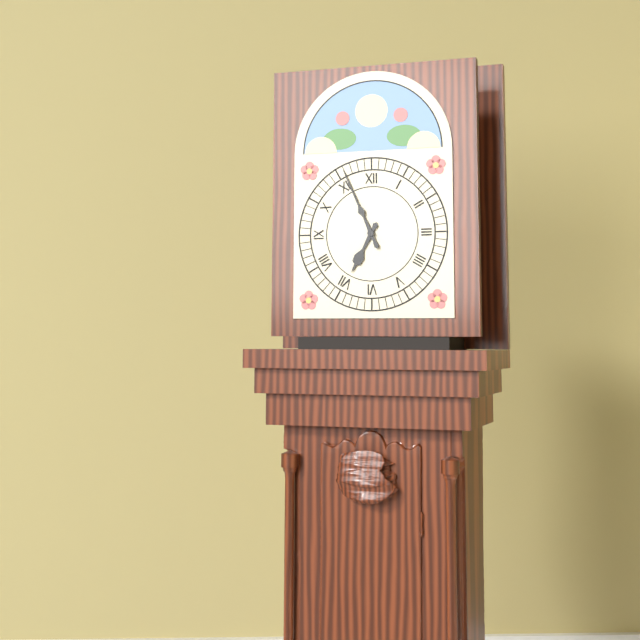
6:56
